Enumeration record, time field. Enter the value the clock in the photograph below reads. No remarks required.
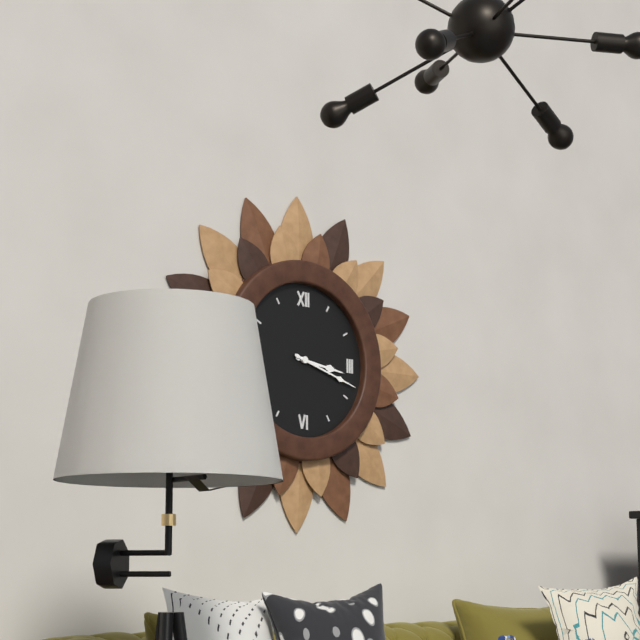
3:18
